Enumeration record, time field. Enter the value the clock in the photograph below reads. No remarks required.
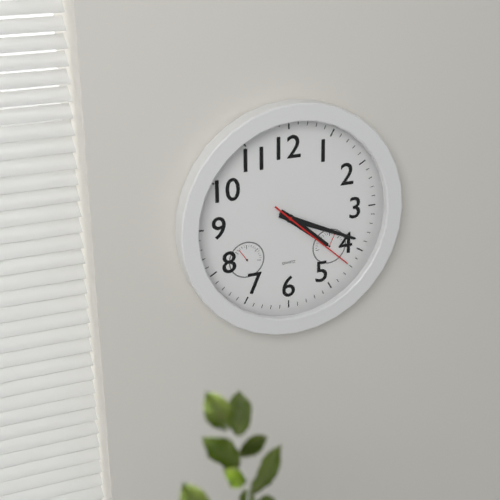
4:19:22
